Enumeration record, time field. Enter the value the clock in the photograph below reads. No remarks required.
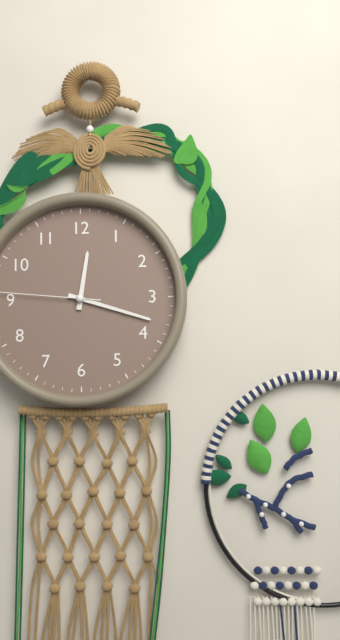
12:18
